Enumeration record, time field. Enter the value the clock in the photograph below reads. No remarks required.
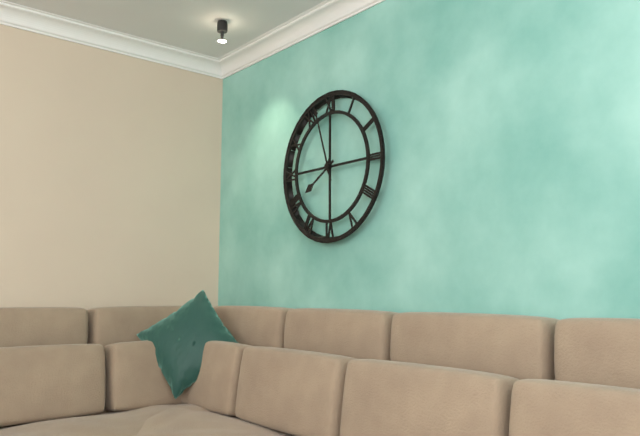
7:57
